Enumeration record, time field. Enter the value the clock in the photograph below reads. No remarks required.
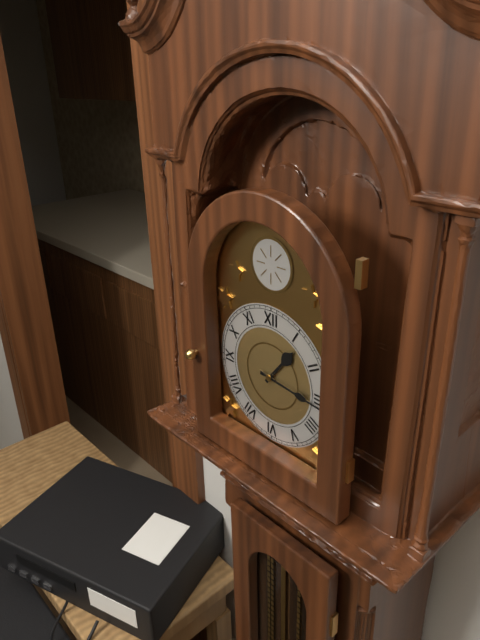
1:16
